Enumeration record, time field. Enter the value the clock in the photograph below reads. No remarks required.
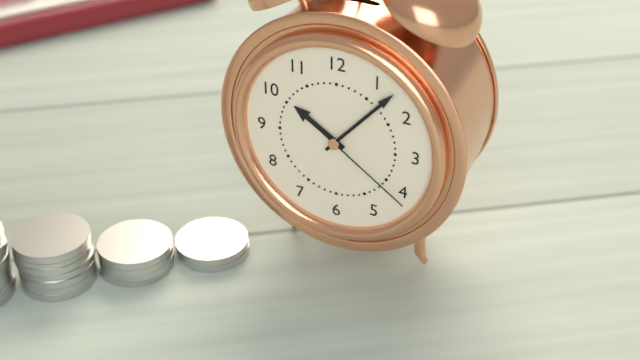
10:07:21
